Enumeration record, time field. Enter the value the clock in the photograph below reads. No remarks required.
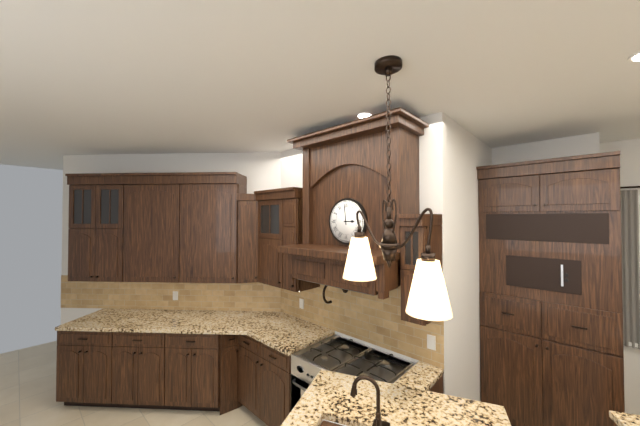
2:59
